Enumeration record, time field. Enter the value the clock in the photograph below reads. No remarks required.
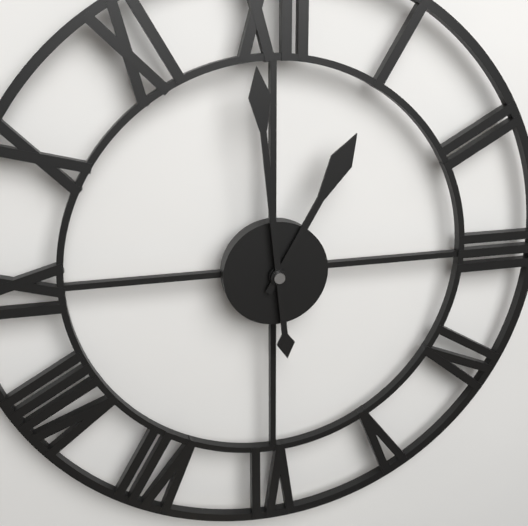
12:59
